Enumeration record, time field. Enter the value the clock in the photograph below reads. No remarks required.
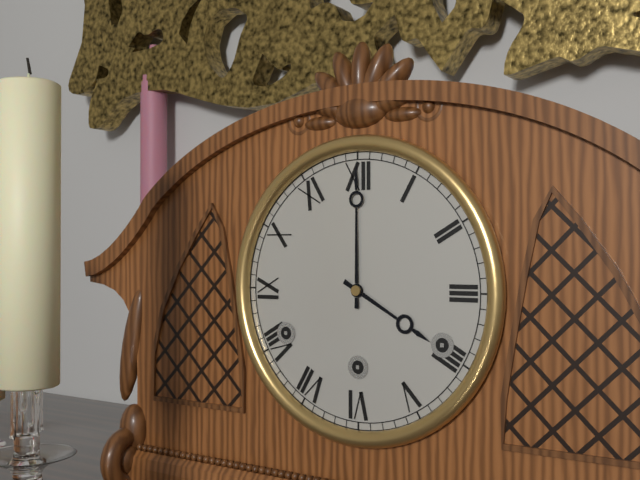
4:00
